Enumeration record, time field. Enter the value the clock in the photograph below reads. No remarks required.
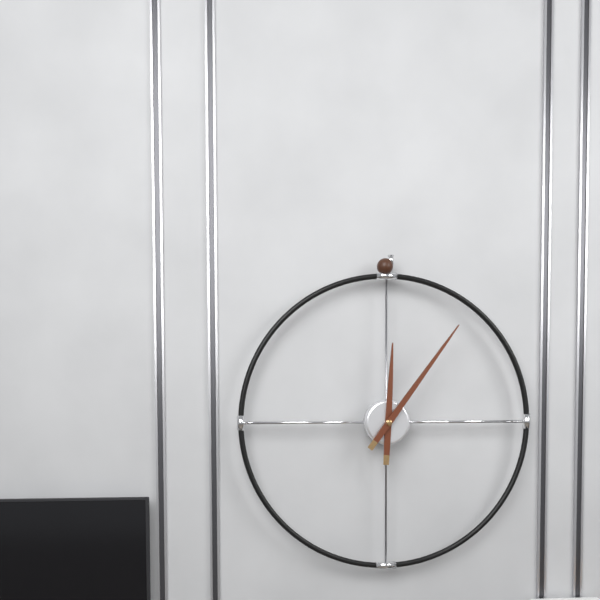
12:06
